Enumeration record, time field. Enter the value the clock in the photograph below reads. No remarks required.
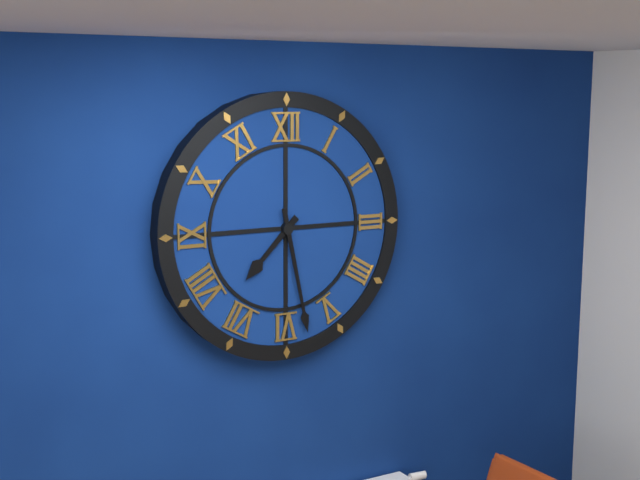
7:28
